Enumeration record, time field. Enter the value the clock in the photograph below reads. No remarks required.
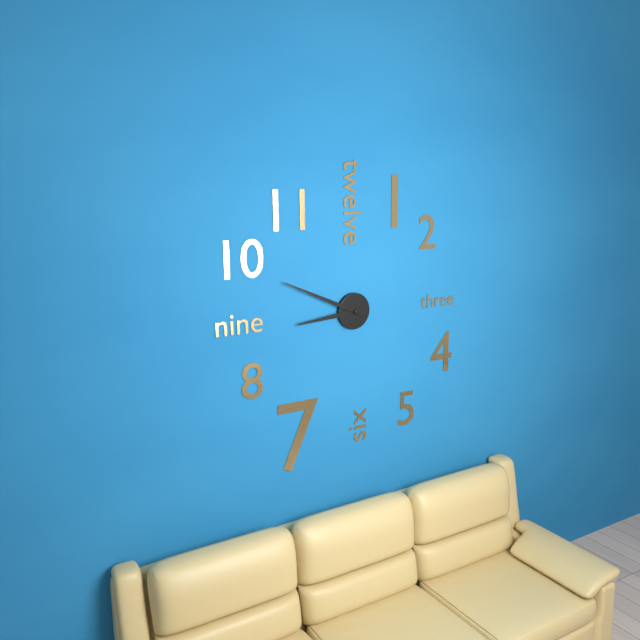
8:49
